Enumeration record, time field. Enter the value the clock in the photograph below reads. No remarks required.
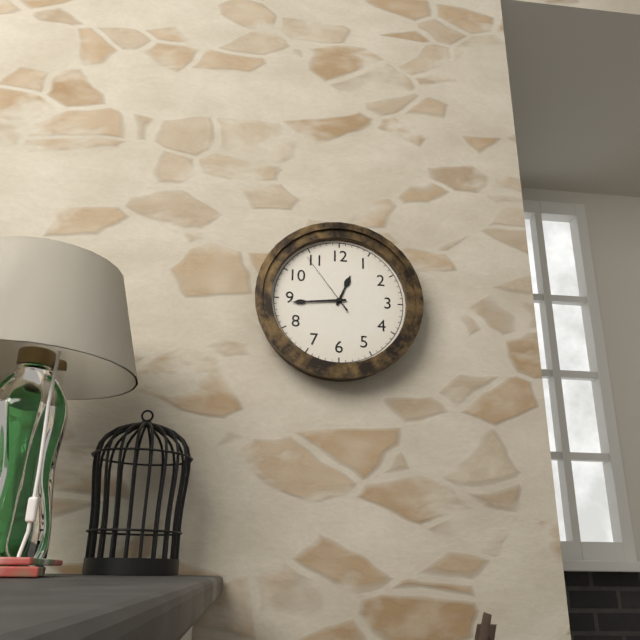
12:44:54
